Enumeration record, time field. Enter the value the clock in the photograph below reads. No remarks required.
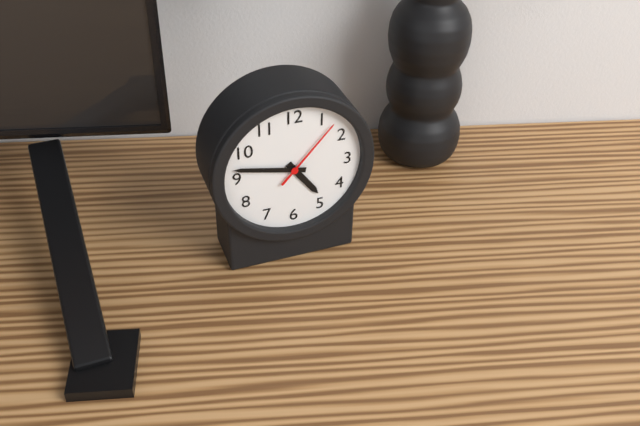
4:47:07
